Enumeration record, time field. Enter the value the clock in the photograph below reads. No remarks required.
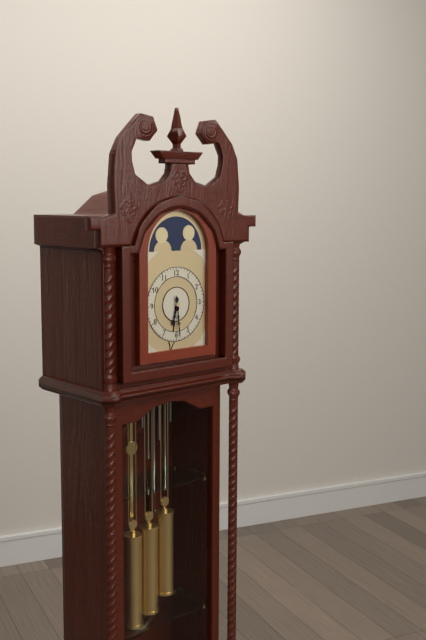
6:29
